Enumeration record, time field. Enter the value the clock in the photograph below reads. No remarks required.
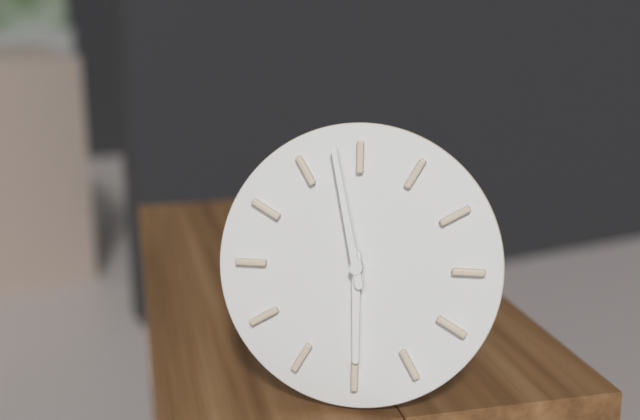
5:58
